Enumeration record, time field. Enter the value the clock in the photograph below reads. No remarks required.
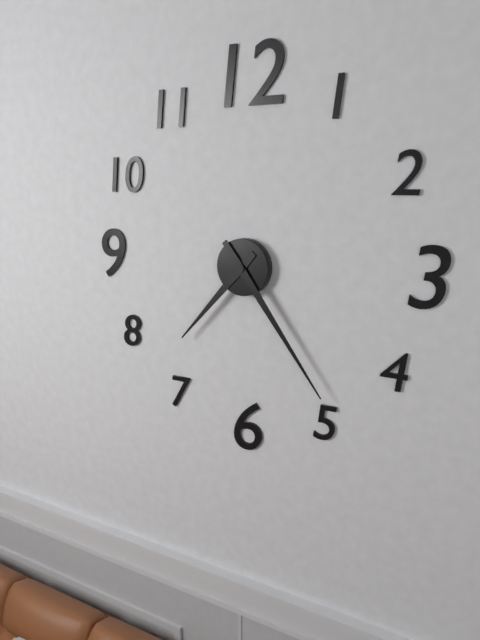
7:24
